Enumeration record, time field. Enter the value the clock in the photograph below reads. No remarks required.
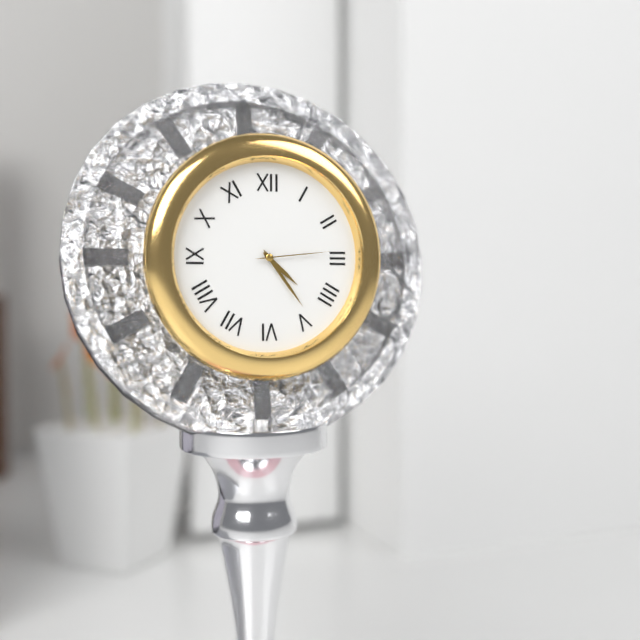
4:24:14
